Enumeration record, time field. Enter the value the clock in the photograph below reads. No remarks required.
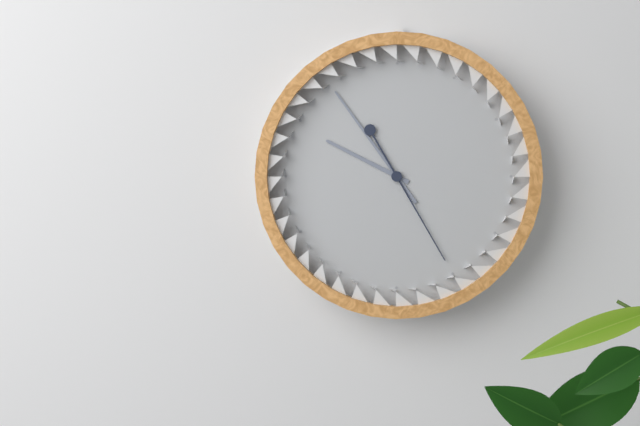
9:54:25
